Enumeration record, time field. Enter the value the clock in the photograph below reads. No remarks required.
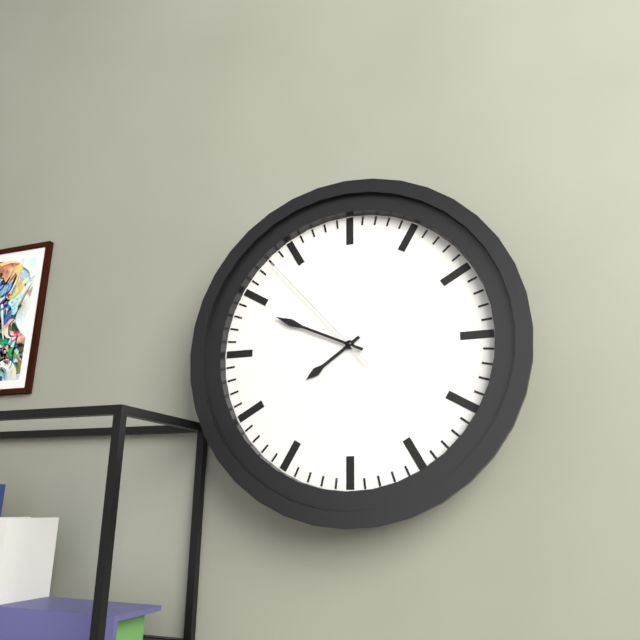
7:49:53
